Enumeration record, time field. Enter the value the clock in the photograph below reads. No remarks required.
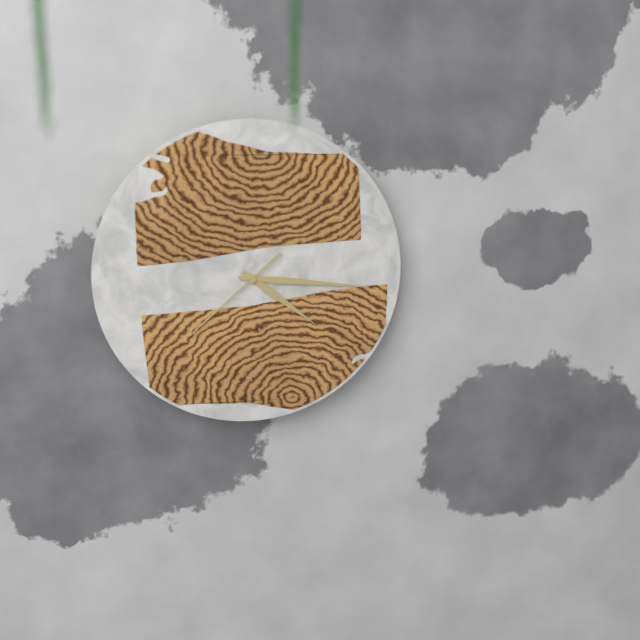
4:16:38
